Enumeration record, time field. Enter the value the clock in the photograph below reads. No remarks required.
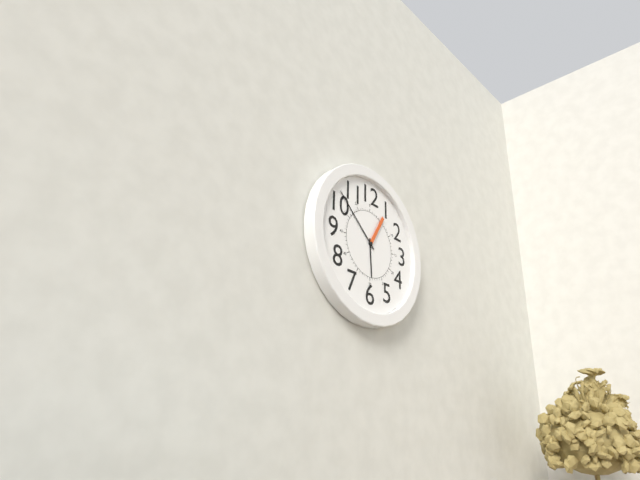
5:52
